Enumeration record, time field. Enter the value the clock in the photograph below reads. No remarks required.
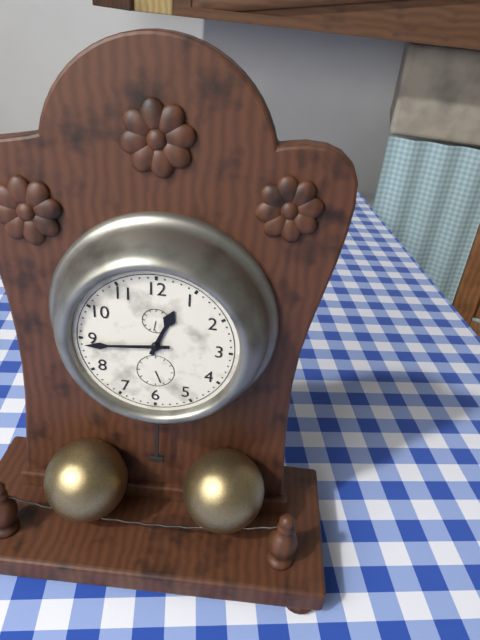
12:44
